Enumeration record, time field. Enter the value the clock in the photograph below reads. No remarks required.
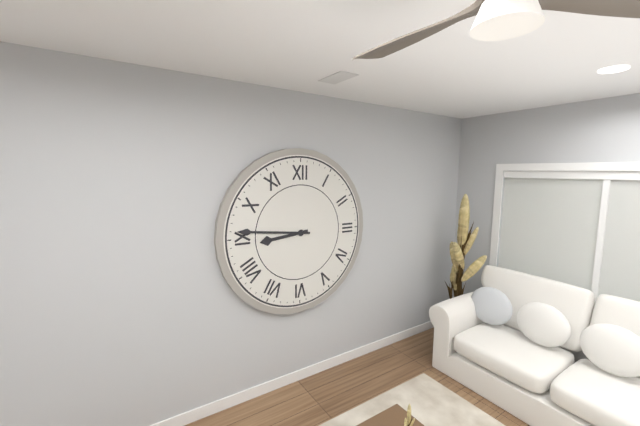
8:46
